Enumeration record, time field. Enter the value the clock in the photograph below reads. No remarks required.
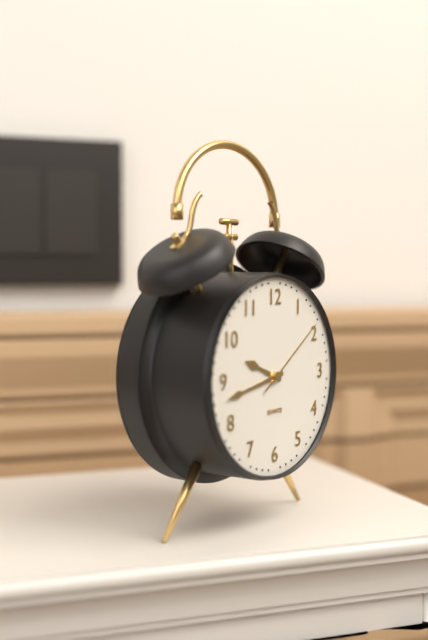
9:43:09
